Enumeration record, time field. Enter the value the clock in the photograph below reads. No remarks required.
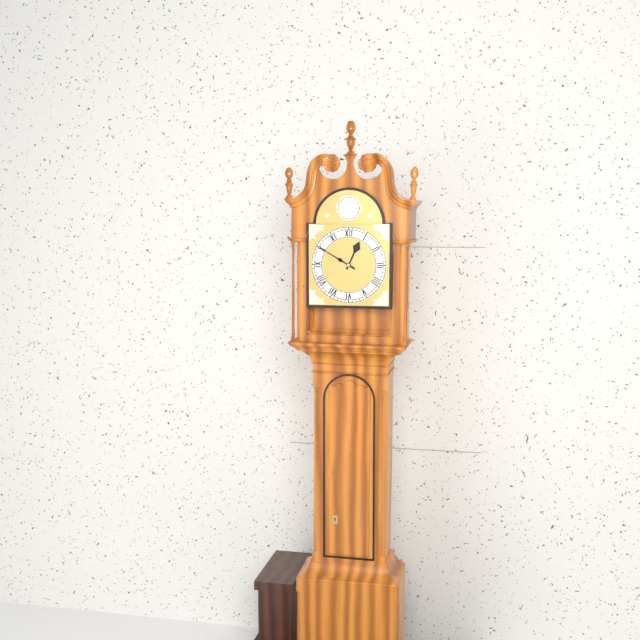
12:50
